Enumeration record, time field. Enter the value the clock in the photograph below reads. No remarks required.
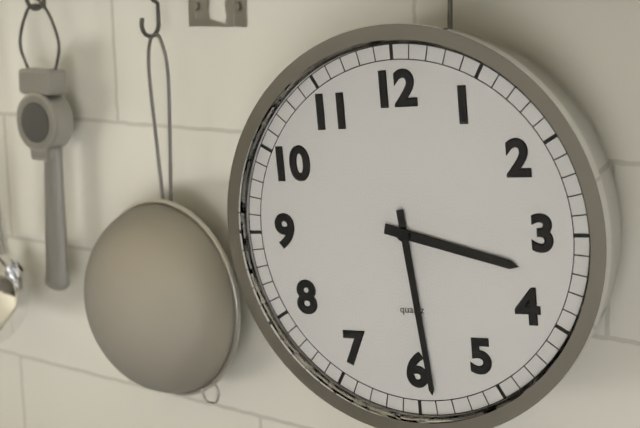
3:29
